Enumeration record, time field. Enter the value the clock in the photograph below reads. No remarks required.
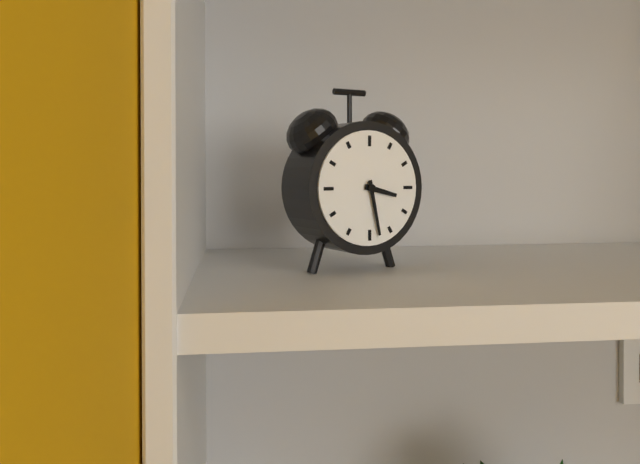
3:28
